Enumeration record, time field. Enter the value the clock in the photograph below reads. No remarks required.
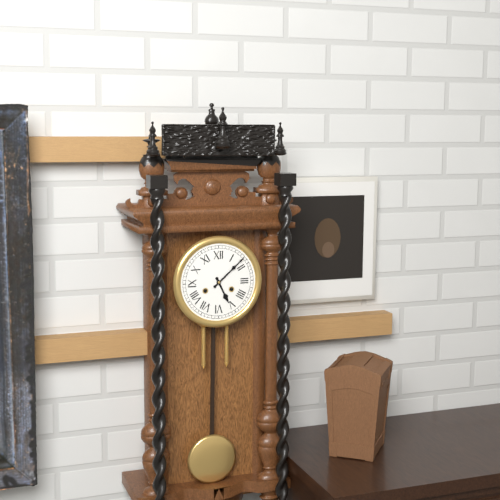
5:08
